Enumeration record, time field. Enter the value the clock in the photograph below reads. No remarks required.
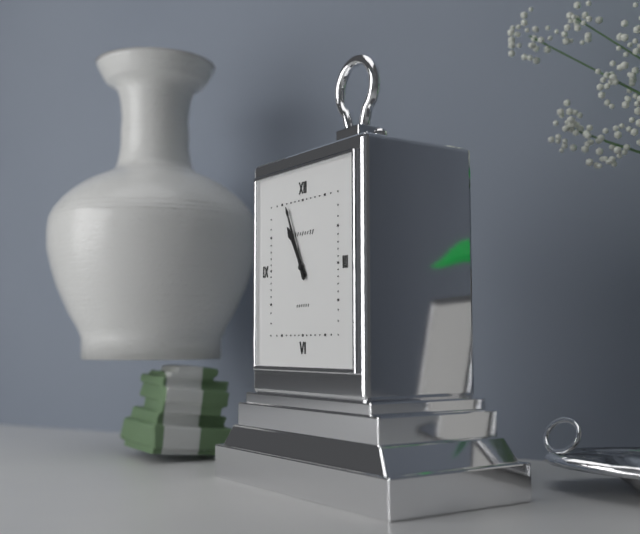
10:56
